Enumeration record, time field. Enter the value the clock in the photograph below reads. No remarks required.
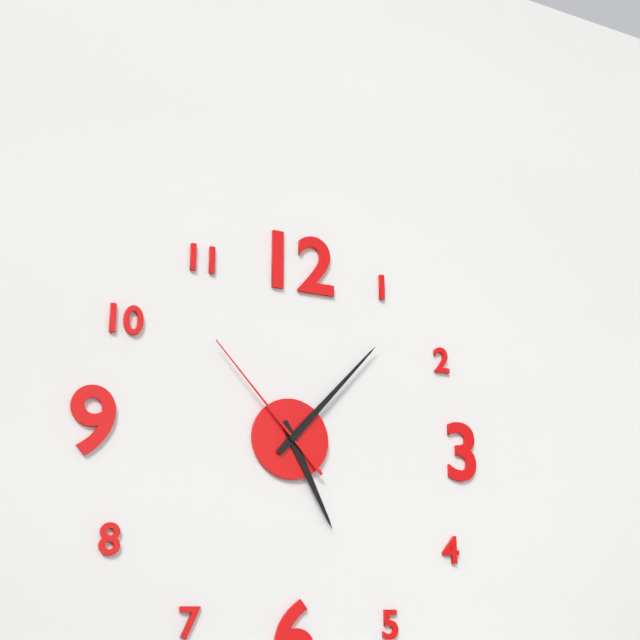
5:07:53
